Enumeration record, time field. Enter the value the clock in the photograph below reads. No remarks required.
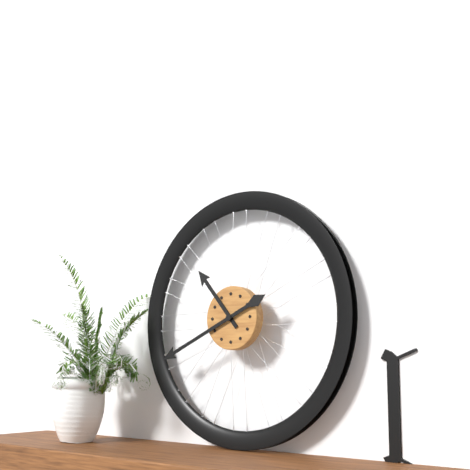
10:41
